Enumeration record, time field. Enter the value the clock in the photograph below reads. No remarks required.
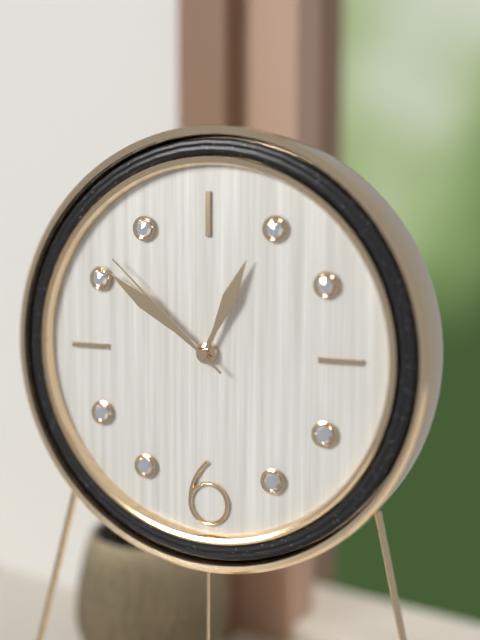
12:51:52
